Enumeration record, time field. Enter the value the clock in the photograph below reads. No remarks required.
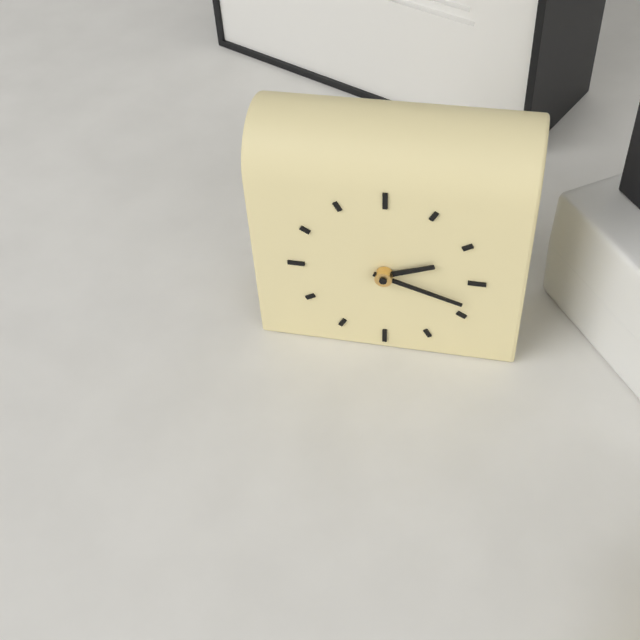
2:18
